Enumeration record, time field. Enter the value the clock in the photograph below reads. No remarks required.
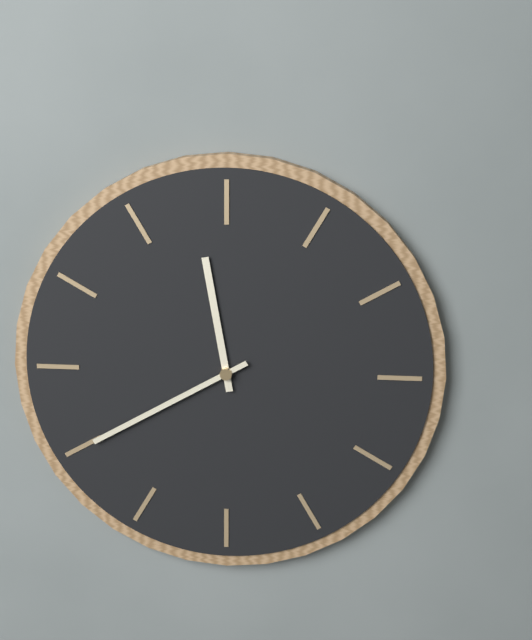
11:40
